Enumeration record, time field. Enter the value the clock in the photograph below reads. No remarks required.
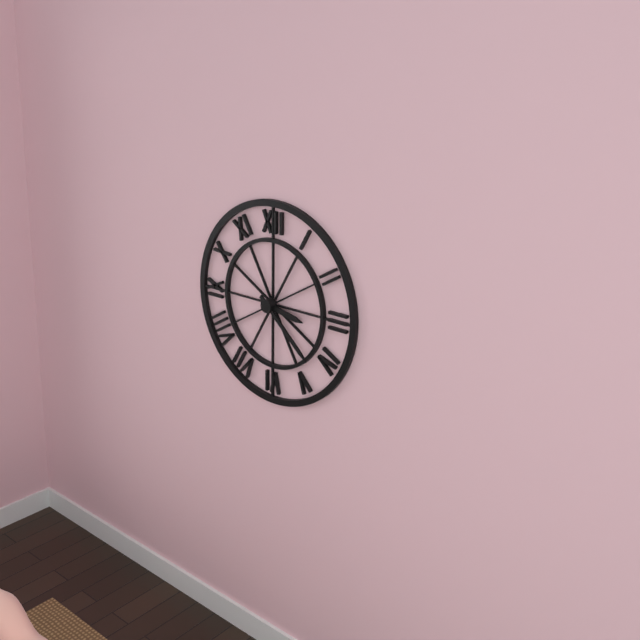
3:22
